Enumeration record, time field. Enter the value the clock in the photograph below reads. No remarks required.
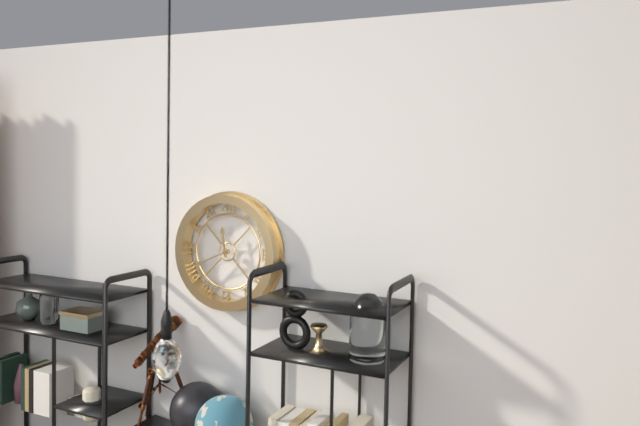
11:41
